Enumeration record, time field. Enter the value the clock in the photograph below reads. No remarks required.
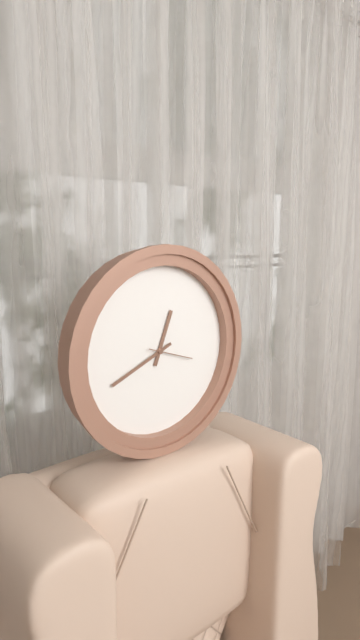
12:41
